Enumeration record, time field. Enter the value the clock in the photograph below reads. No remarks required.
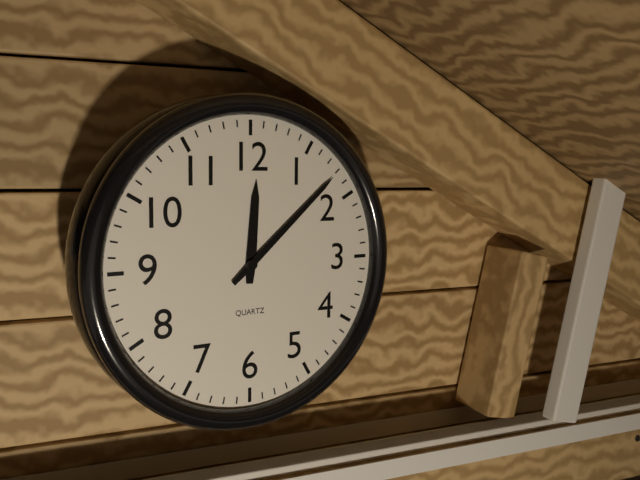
12:08
